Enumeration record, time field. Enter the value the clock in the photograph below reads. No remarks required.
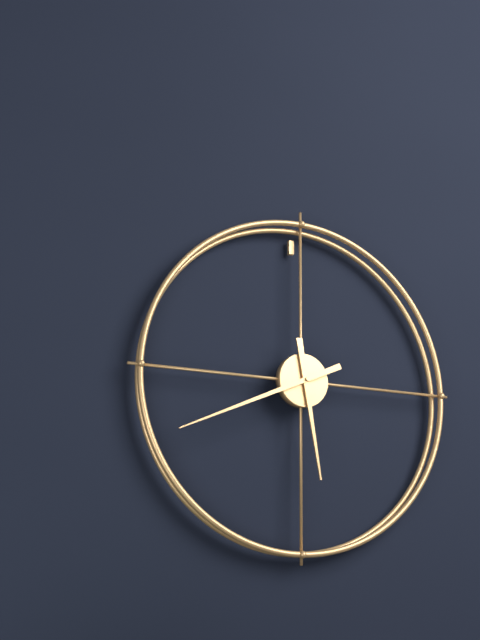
5:41
